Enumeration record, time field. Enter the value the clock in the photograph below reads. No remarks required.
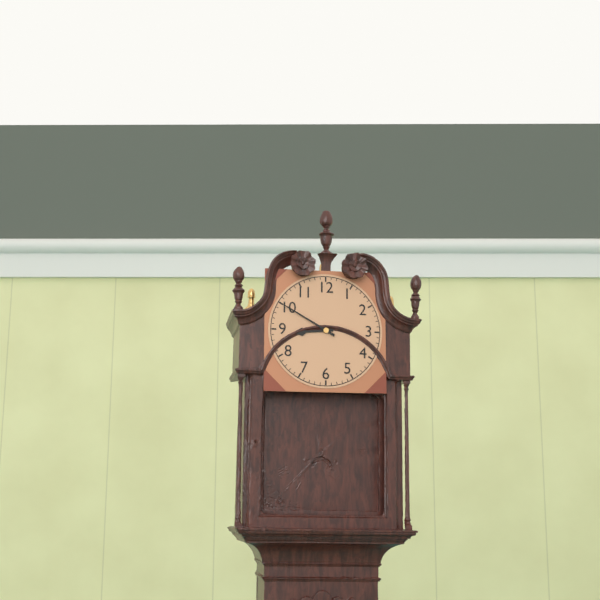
8:50
